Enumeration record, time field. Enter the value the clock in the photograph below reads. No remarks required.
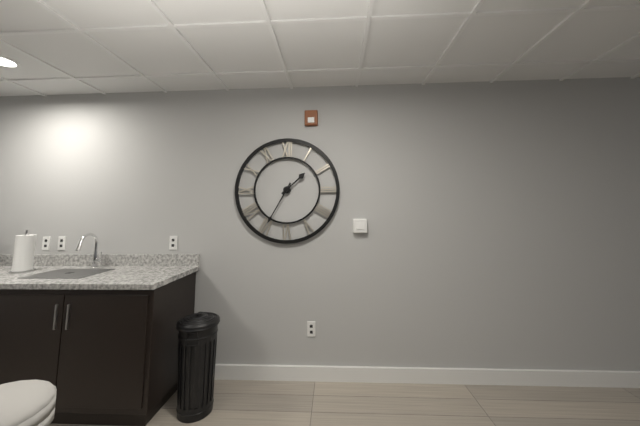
1:35
